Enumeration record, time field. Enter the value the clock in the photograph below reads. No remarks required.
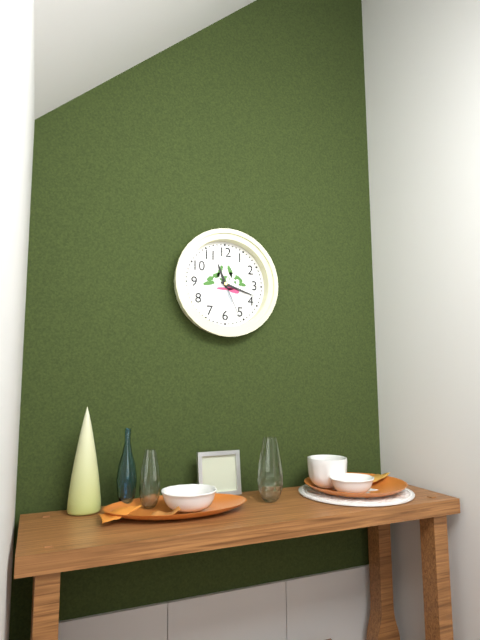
11:18
